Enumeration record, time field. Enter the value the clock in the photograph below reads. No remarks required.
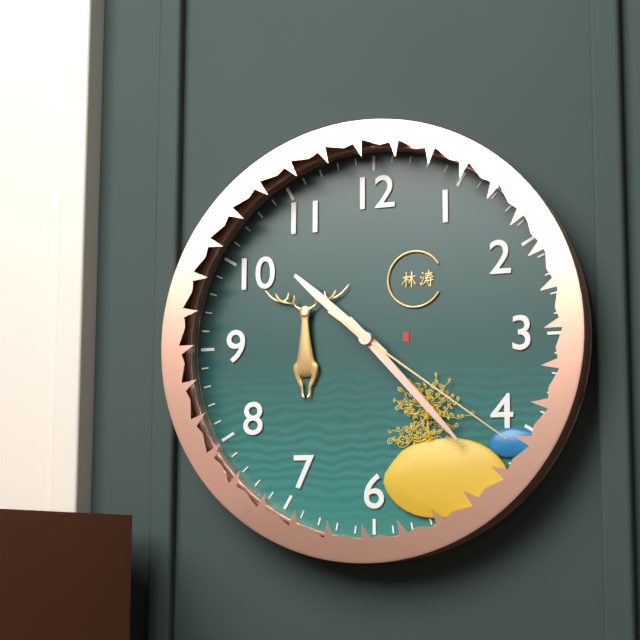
10:23:21
